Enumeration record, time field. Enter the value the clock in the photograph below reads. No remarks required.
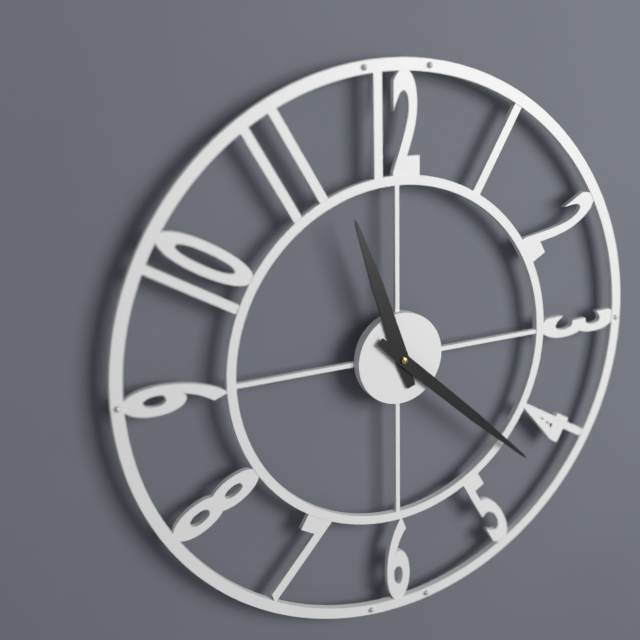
11:22
